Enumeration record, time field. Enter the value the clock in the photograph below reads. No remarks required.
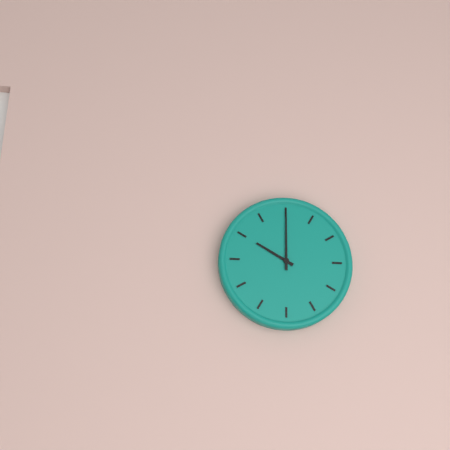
10:00
